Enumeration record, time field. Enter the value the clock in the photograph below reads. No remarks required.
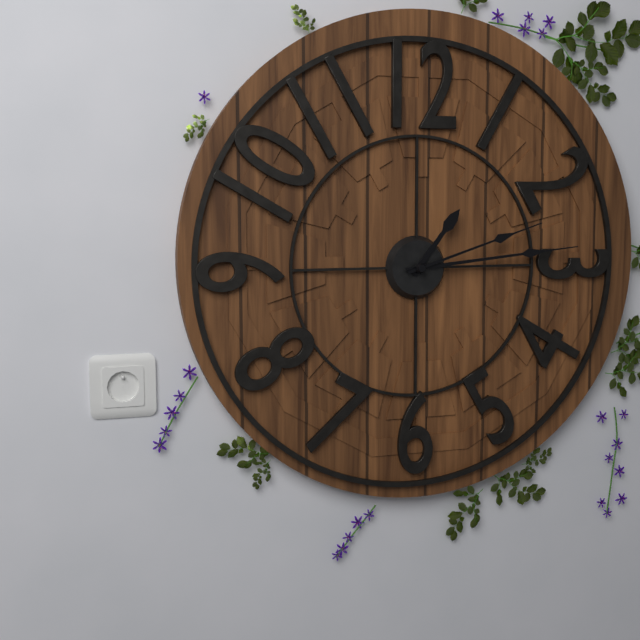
1:14:12
